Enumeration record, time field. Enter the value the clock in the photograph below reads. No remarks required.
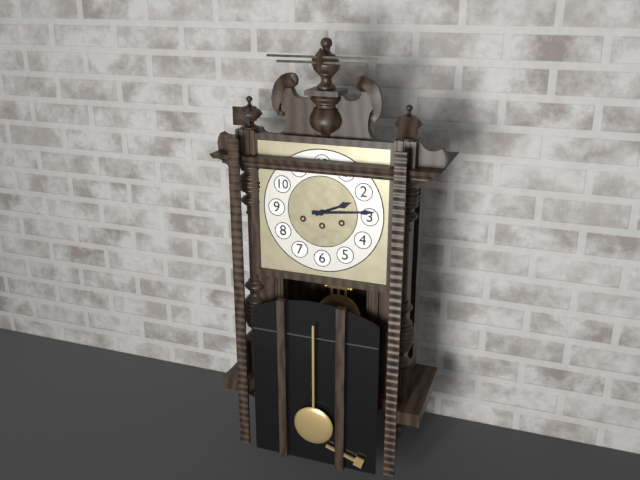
2:14
